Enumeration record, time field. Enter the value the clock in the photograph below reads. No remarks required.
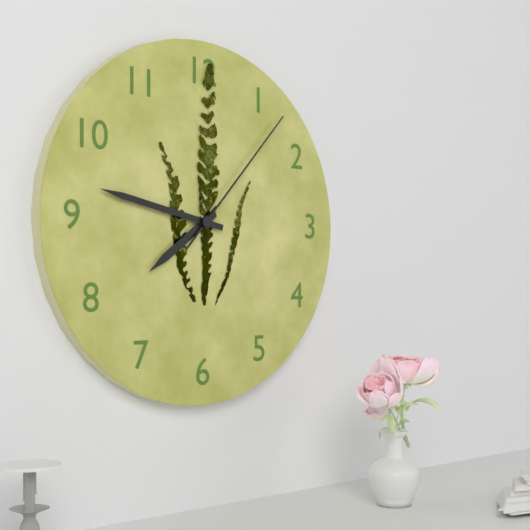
7:47:07
